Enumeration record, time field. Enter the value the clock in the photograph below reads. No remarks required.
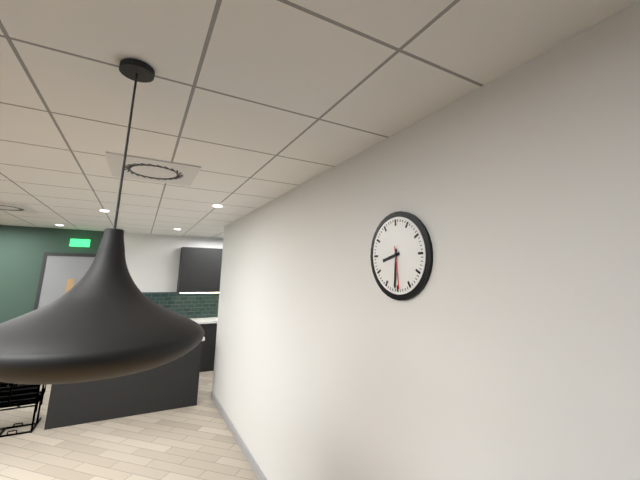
8:31
